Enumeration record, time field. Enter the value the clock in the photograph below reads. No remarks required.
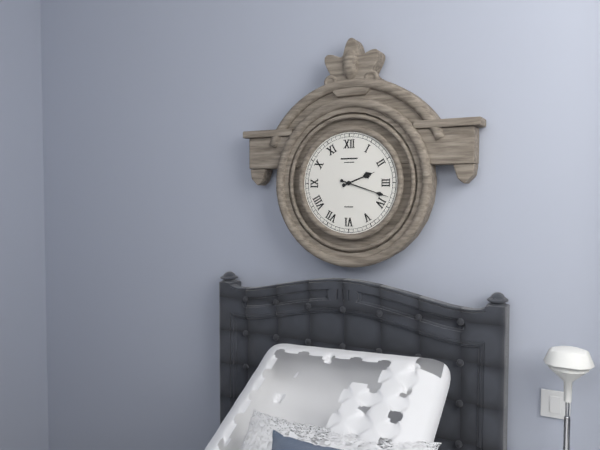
2:18
